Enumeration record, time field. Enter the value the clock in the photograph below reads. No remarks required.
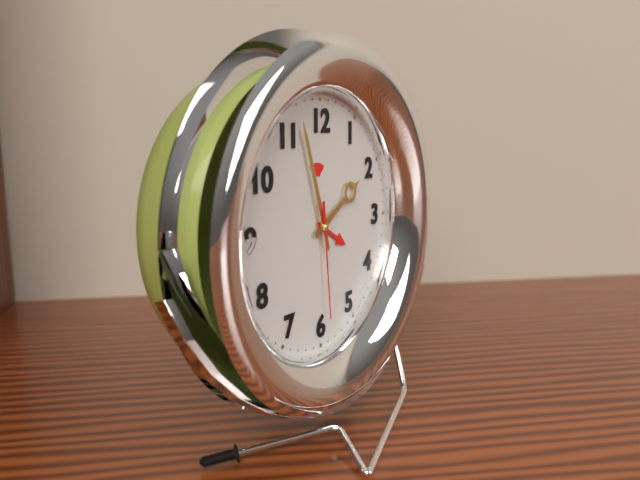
1:57:29
